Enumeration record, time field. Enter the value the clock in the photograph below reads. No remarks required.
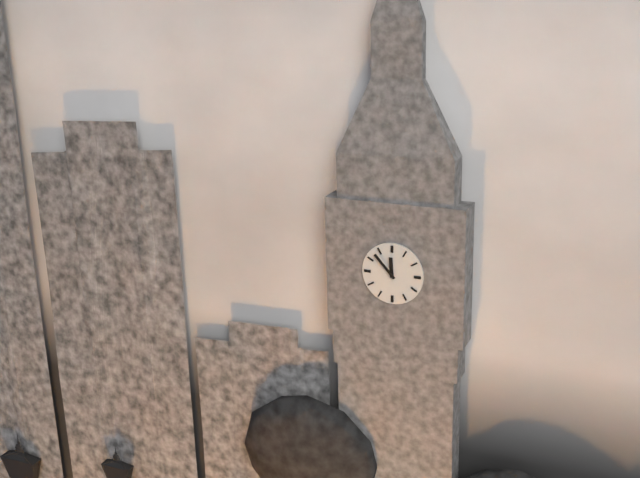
11:53
